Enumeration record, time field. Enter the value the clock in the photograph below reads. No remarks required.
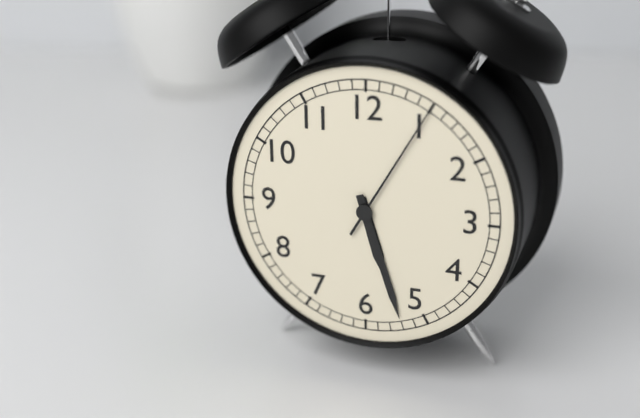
5:27:05
